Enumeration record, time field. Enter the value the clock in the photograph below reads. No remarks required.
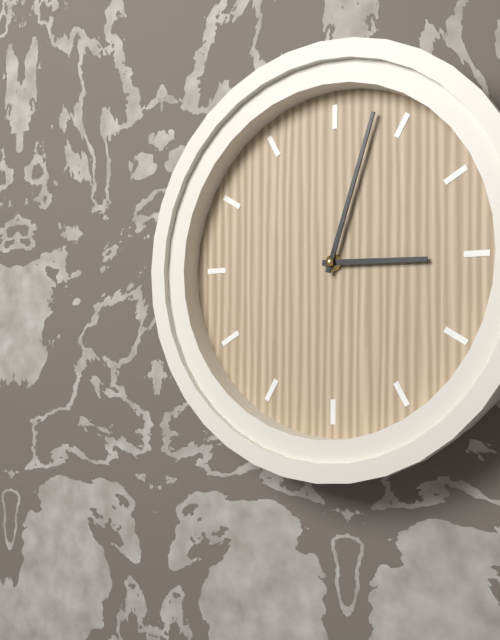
3:03
